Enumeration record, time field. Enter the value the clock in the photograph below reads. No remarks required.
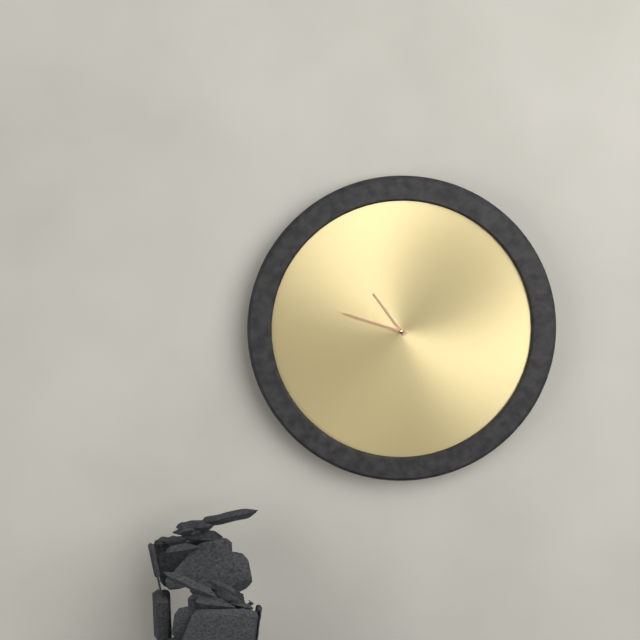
10:48
